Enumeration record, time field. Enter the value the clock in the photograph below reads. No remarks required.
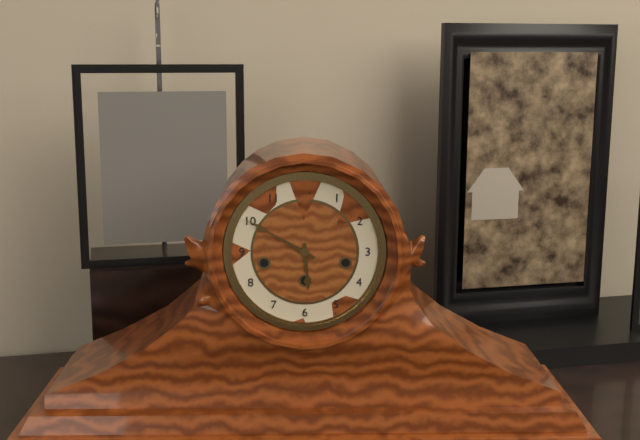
5:50
